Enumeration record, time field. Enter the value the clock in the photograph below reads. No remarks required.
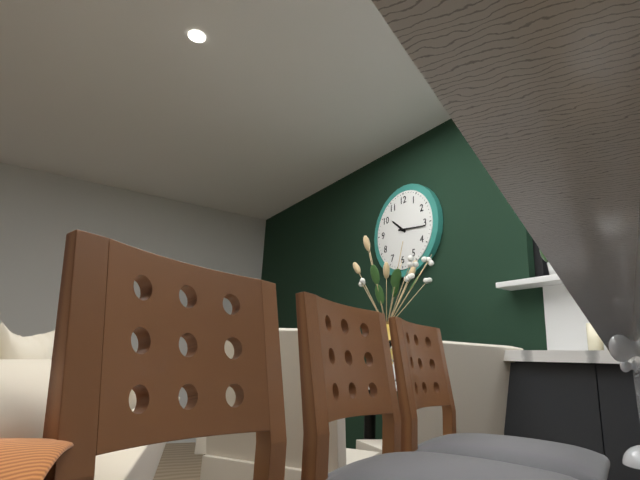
10:16
